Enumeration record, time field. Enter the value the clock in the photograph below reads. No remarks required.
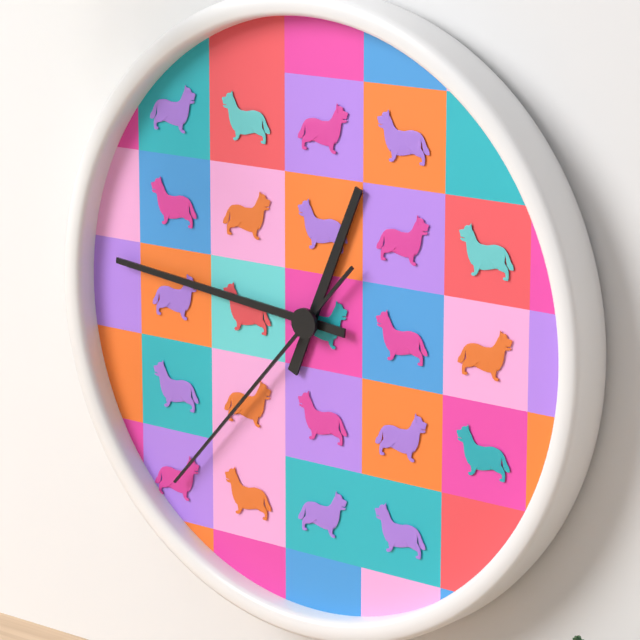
12:46:37
